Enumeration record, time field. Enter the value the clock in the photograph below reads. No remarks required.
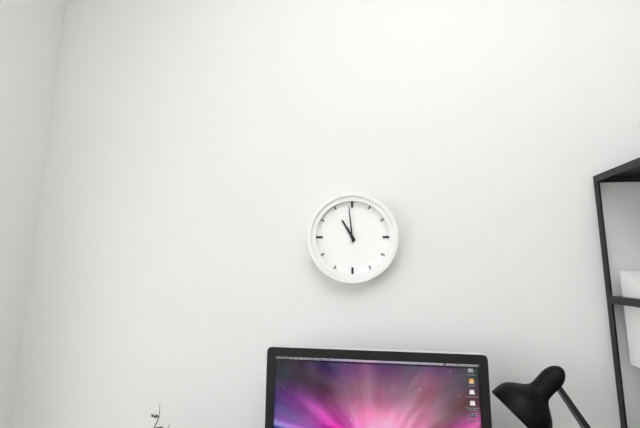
10:59
